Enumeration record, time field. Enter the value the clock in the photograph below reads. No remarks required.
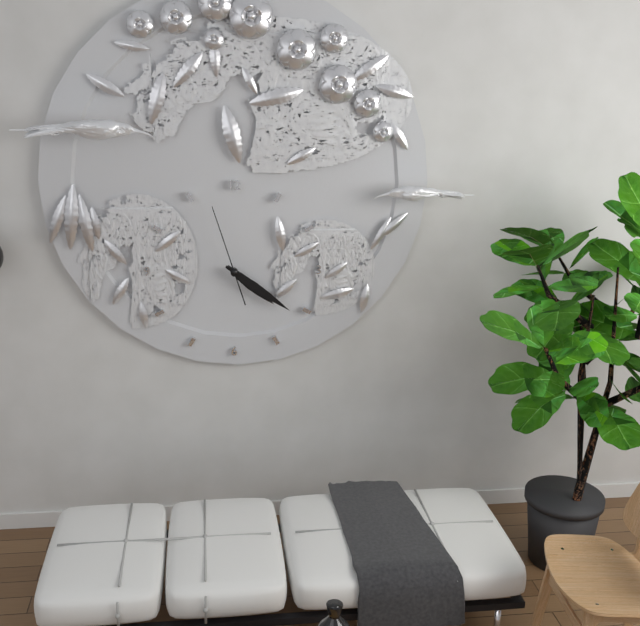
4:21:57
